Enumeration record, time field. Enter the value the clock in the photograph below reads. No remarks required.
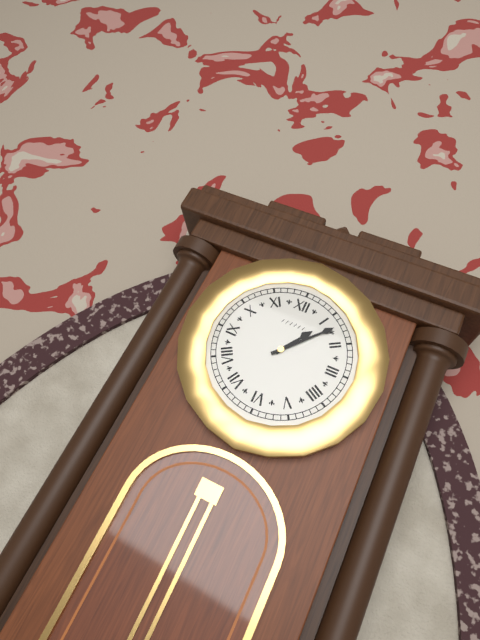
1:07
